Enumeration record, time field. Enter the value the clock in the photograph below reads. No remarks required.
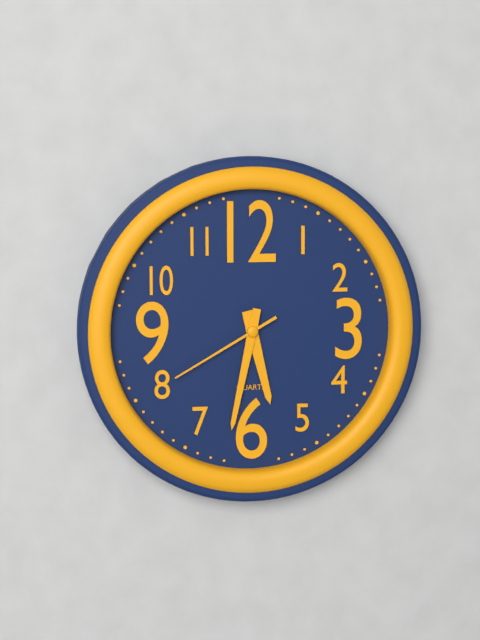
5:32:40
